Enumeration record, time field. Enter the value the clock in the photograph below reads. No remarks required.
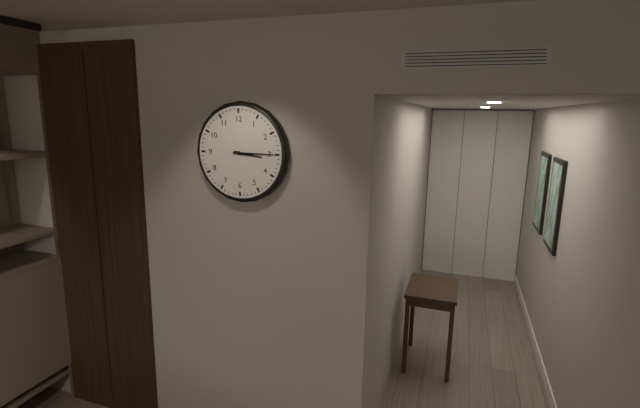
3:15
